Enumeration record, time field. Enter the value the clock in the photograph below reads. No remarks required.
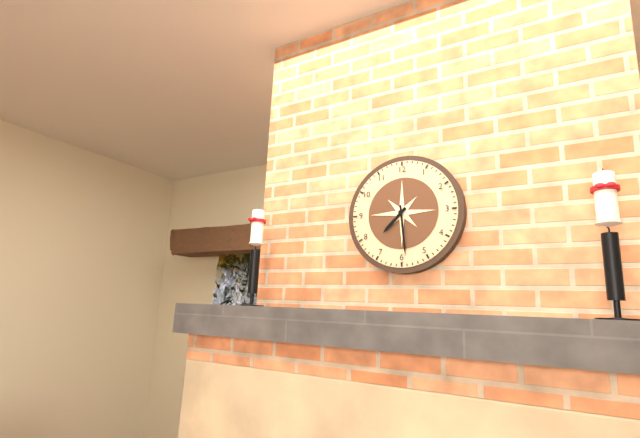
7:29
